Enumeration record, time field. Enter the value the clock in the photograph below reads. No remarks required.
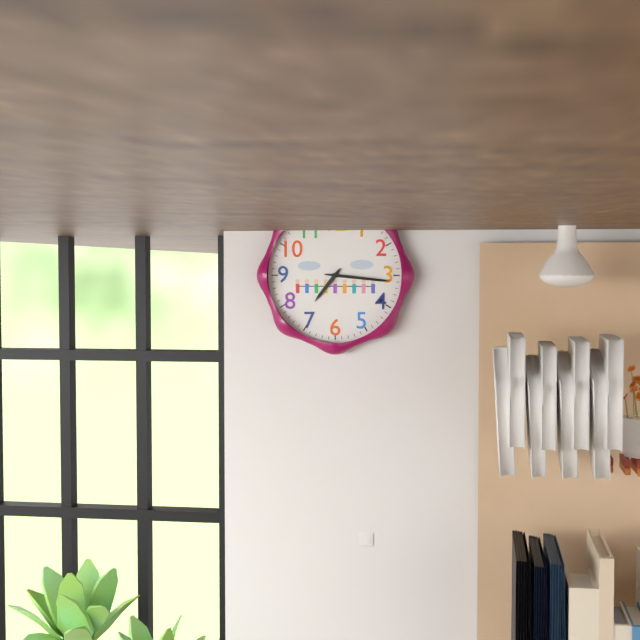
7:16
